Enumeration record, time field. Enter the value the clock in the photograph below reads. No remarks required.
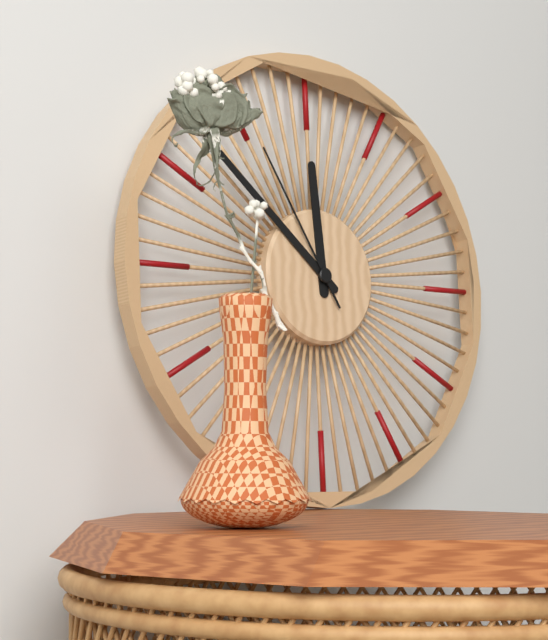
11:52:55
